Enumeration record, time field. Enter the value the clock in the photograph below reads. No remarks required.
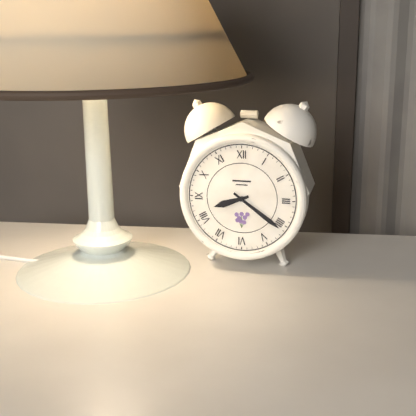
8:21
